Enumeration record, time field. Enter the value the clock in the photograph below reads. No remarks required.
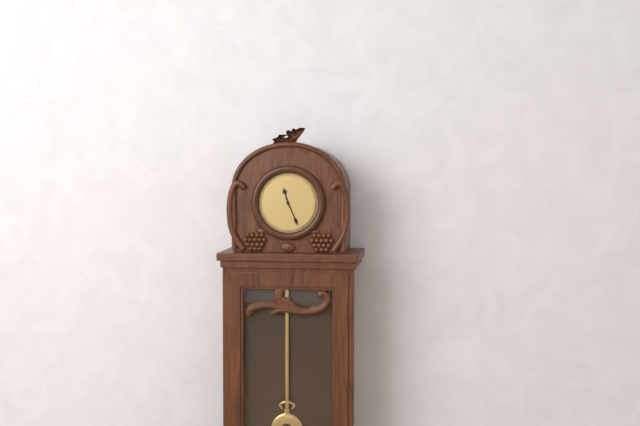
11:26
